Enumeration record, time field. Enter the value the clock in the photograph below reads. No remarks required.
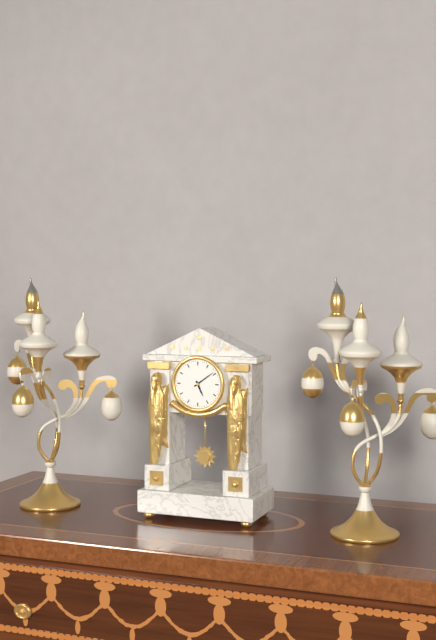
5:09
